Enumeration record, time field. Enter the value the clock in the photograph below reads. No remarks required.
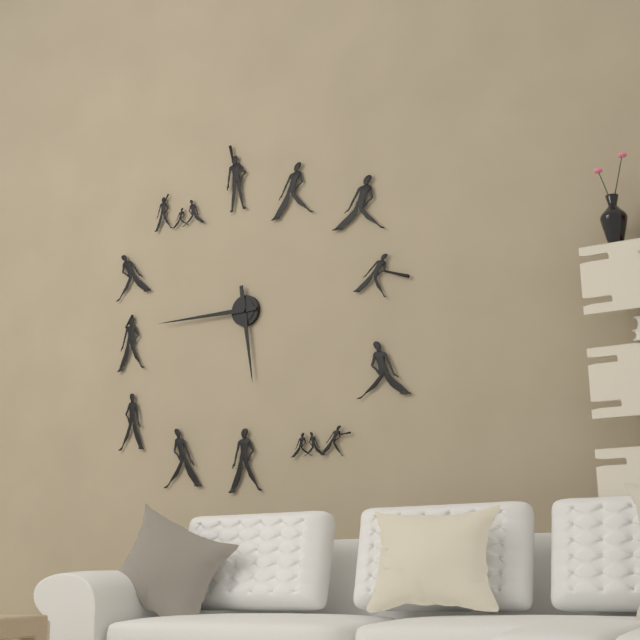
5:45
